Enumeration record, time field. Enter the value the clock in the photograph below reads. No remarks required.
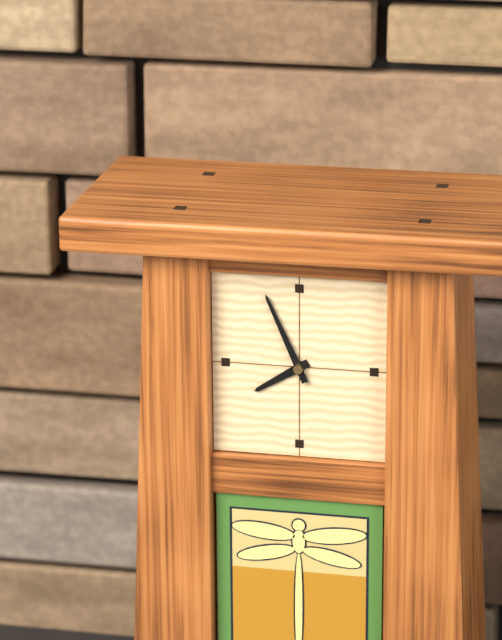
7:56
